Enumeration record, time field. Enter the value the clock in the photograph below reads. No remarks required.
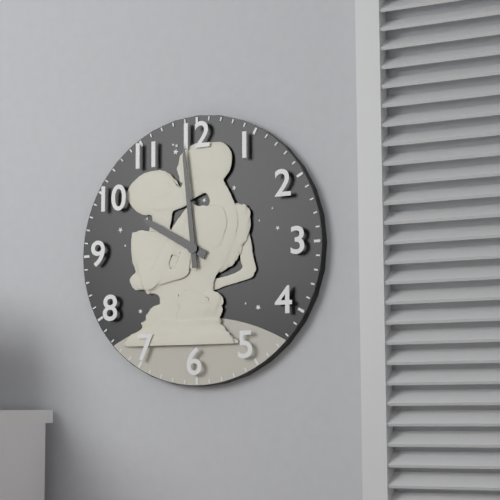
9:59
